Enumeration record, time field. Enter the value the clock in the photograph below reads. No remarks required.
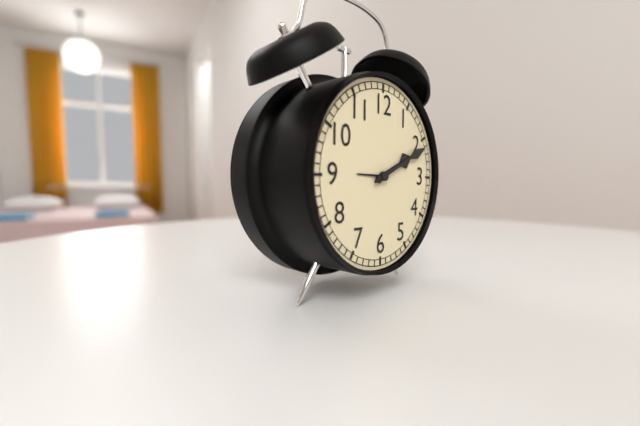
2:11
